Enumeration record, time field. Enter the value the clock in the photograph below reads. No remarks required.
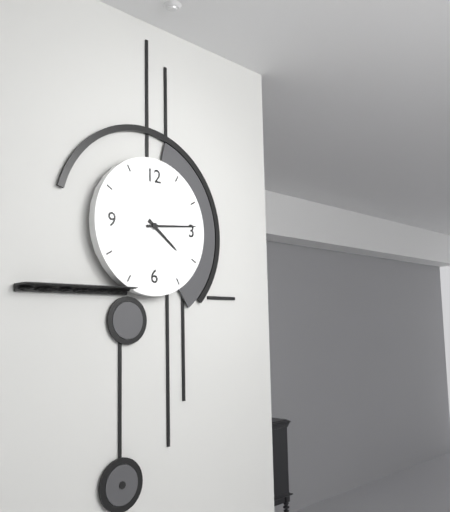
4:14
